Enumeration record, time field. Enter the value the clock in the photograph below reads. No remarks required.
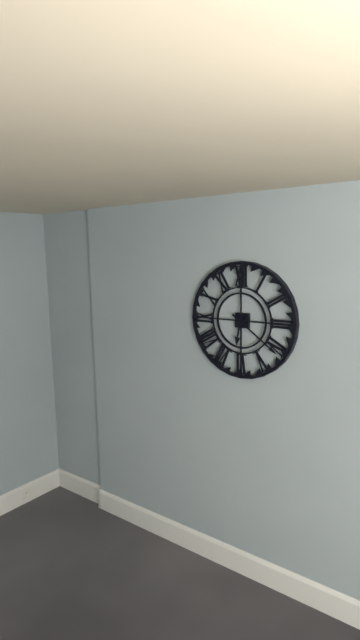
6:21
